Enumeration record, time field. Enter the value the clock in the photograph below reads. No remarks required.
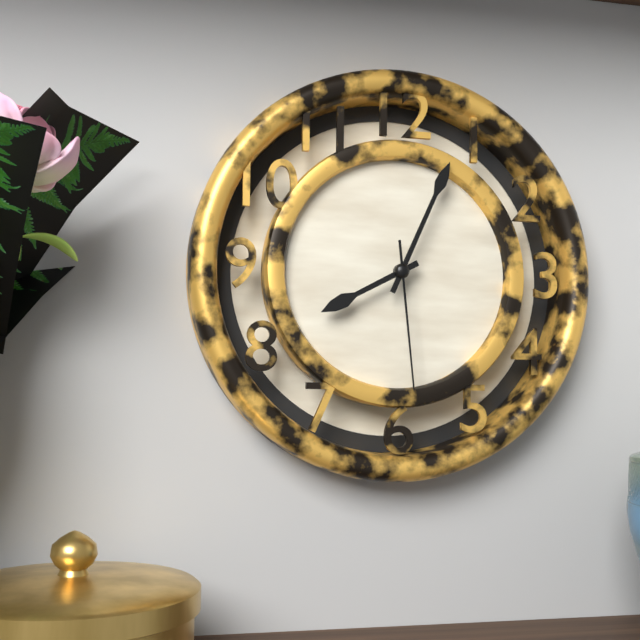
8:04:29
